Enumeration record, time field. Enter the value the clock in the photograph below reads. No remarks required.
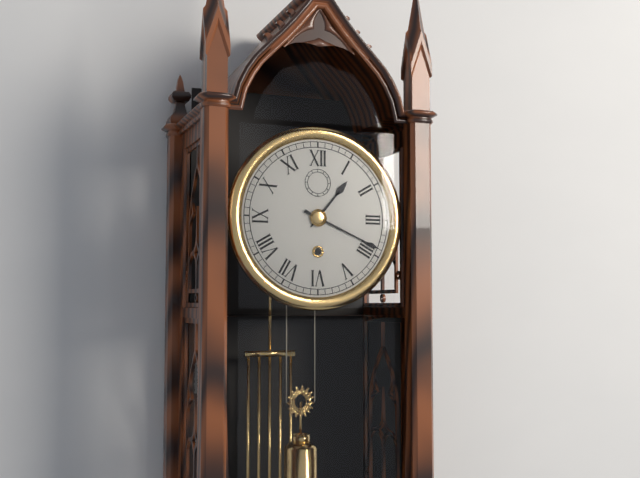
1:19
